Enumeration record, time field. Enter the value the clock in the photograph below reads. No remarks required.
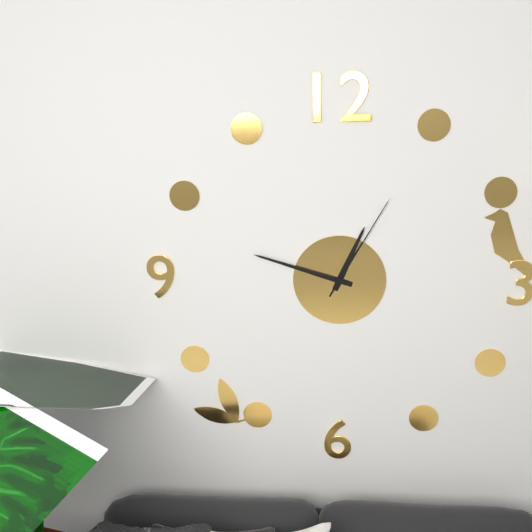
12:48:05
